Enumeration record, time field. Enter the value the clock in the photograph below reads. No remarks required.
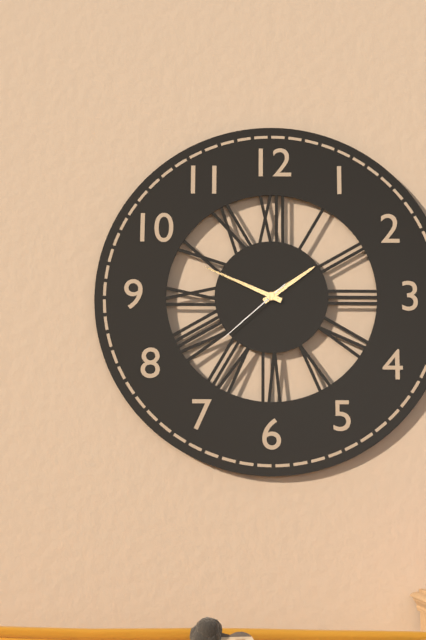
1:49:38
